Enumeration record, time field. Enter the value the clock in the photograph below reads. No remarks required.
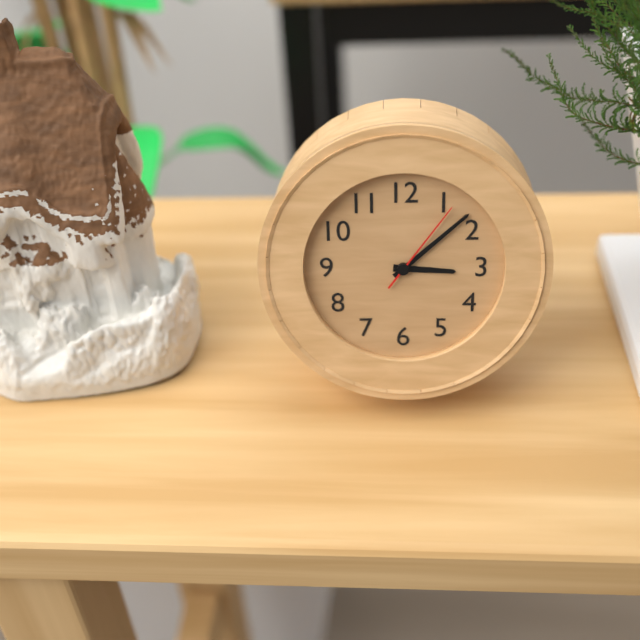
3:08:06
